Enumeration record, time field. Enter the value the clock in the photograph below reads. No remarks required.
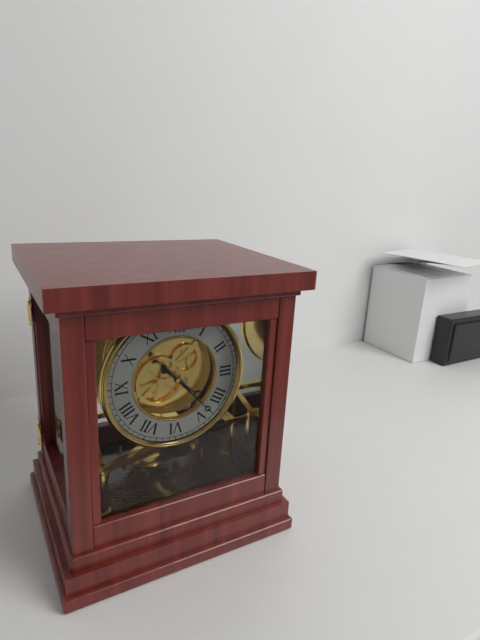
4:23
